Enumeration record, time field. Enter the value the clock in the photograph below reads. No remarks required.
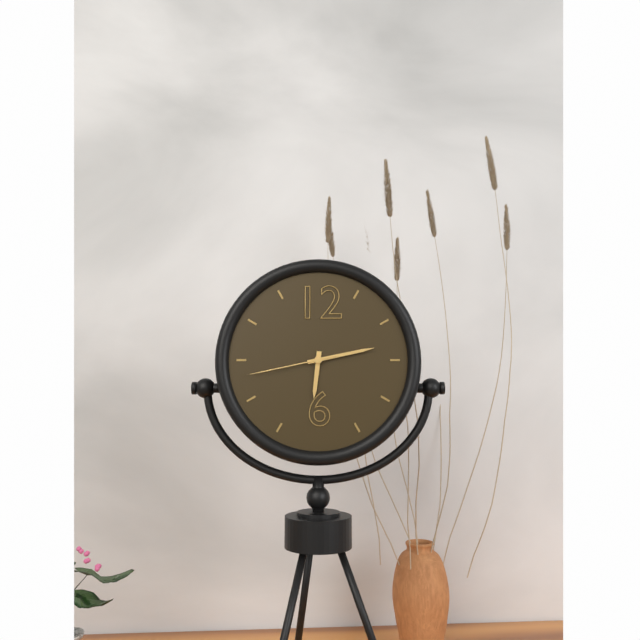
6:13:43
